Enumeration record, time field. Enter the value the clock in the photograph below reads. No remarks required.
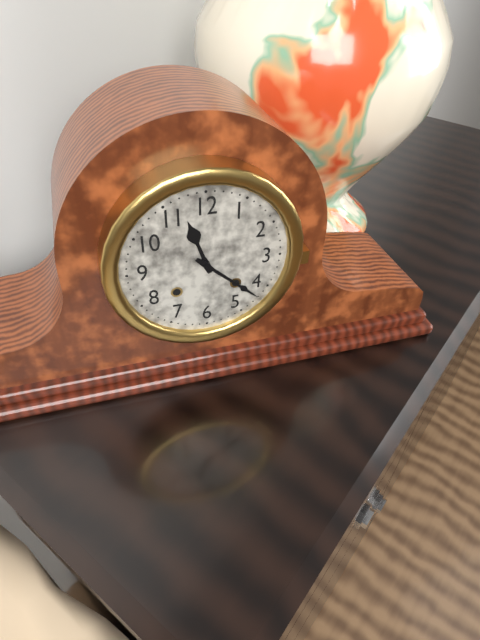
11:22
